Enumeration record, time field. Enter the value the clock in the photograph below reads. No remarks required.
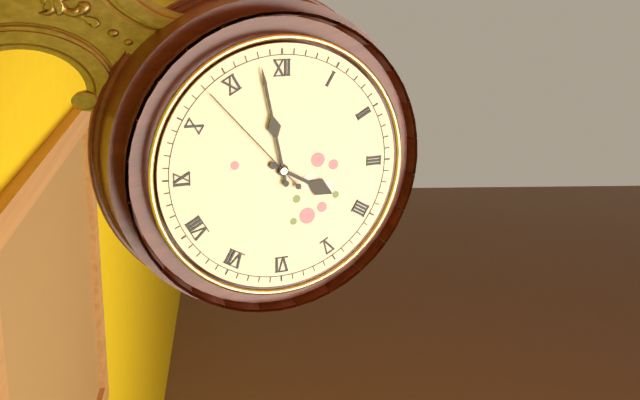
3:58:53
